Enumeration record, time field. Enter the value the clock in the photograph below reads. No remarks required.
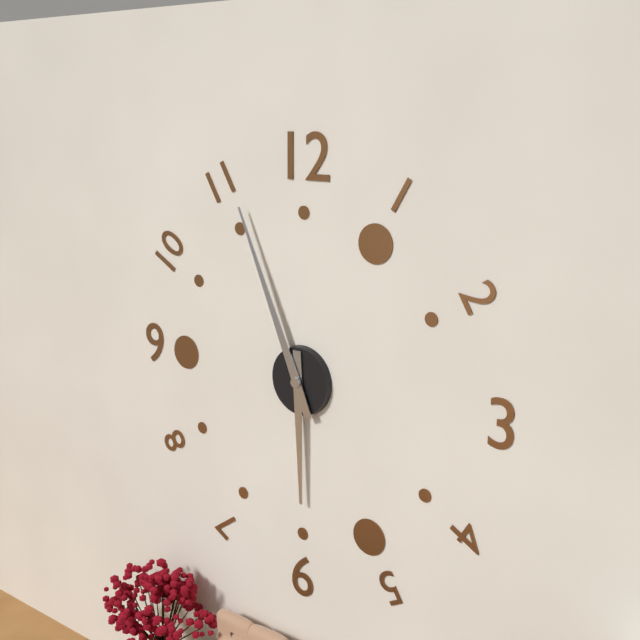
5:56
